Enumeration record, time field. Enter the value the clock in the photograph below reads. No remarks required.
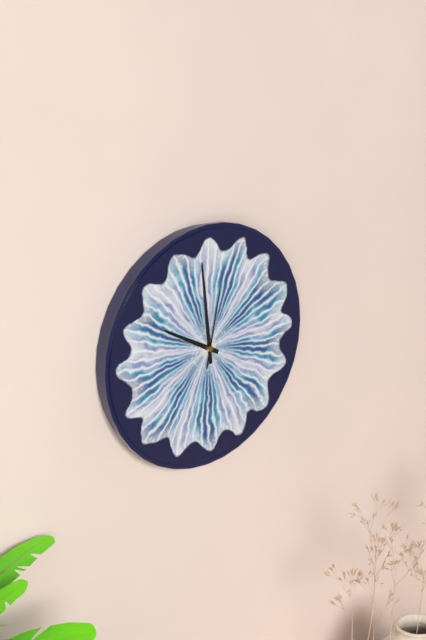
9:59:02
